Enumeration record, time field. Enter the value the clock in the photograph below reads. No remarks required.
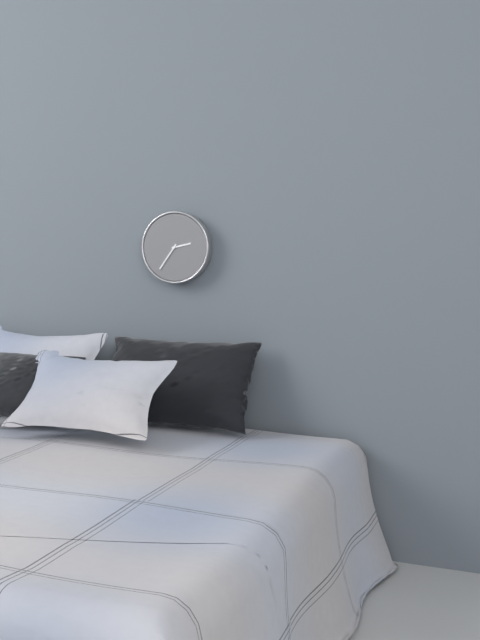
2:36
